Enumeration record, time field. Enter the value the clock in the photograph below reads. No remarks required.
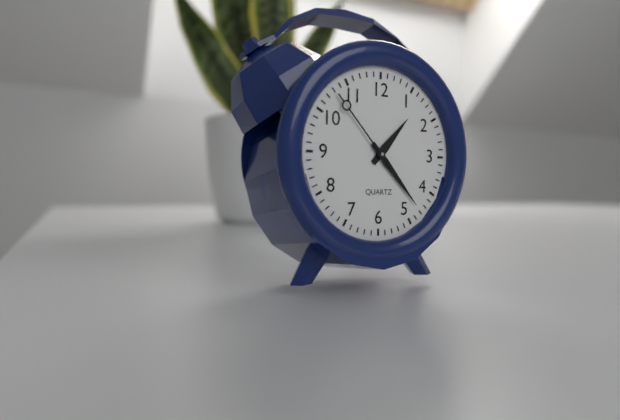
1:23:53
